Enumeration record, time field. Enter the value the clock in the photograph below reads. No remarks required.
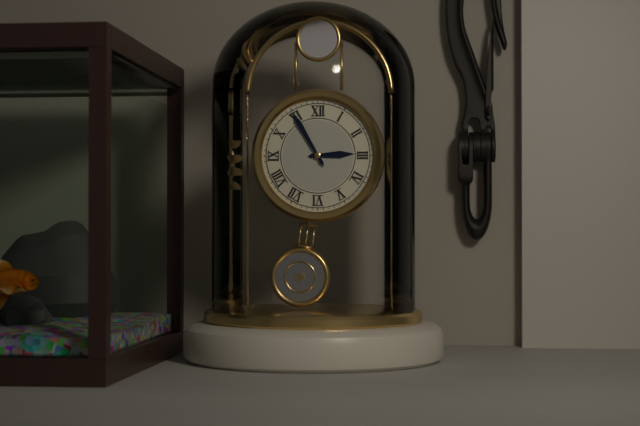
2:55
